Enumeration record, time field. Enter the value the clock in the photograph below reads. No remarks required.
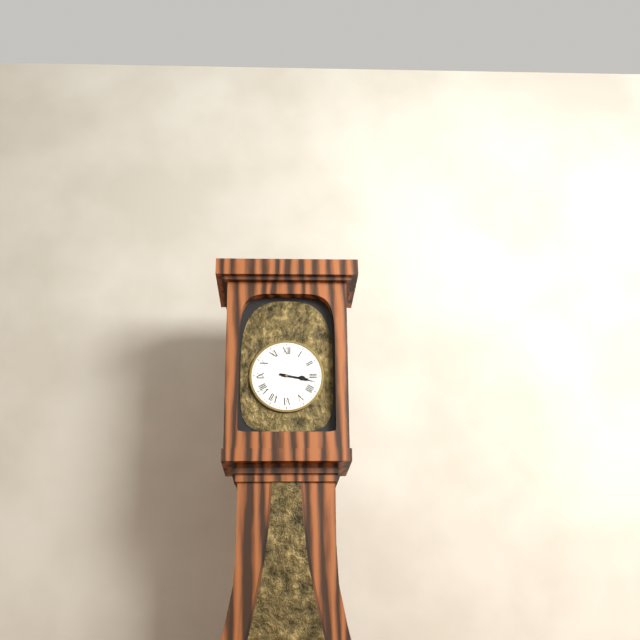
3:17
